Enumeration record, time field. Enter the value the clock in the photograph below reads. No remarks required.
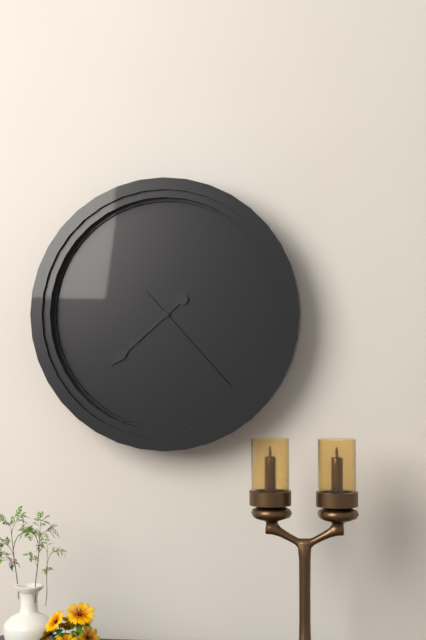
7:38:23
